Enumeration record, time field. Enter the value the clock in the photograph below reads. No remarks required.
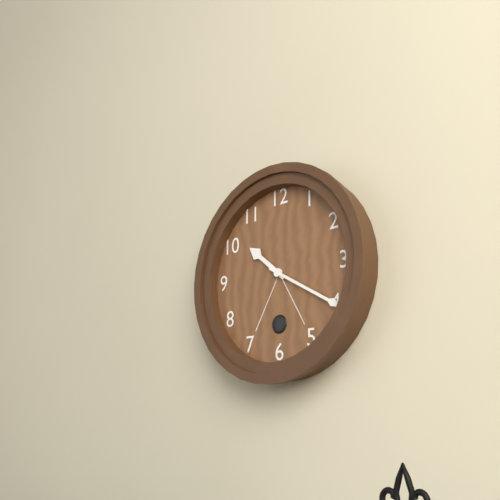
10:20
